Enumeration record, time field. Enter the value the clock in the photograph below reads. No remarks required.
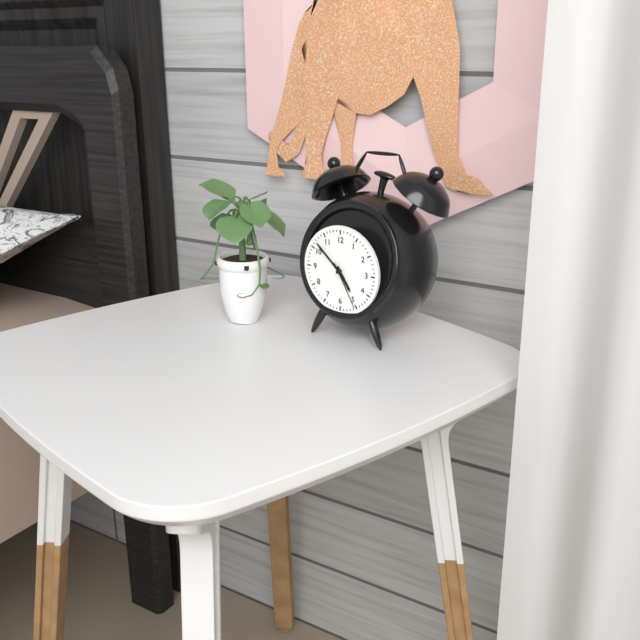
4:52
